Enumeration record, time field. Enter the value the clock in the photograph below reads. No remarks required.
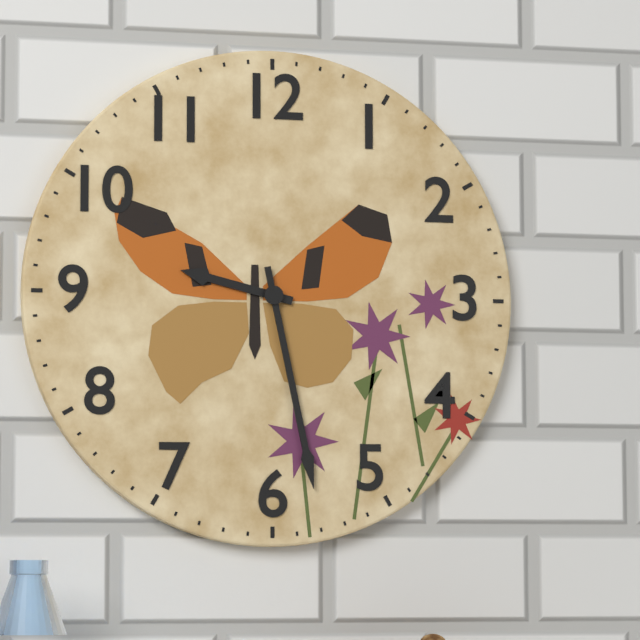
9:28
